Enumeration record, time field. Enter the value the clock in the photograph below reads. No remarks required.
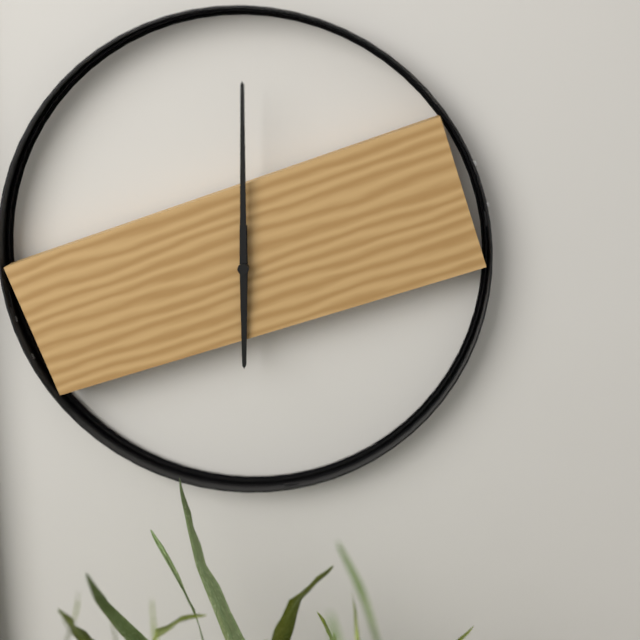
6:00
